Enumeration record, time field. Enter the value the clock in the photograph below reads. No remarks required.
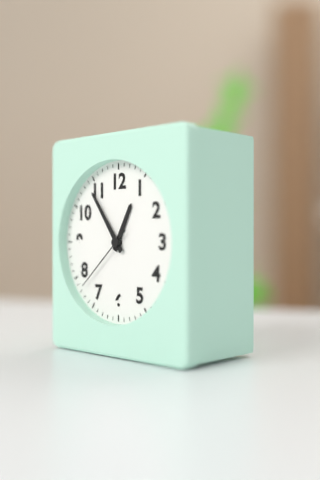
12:54:38
